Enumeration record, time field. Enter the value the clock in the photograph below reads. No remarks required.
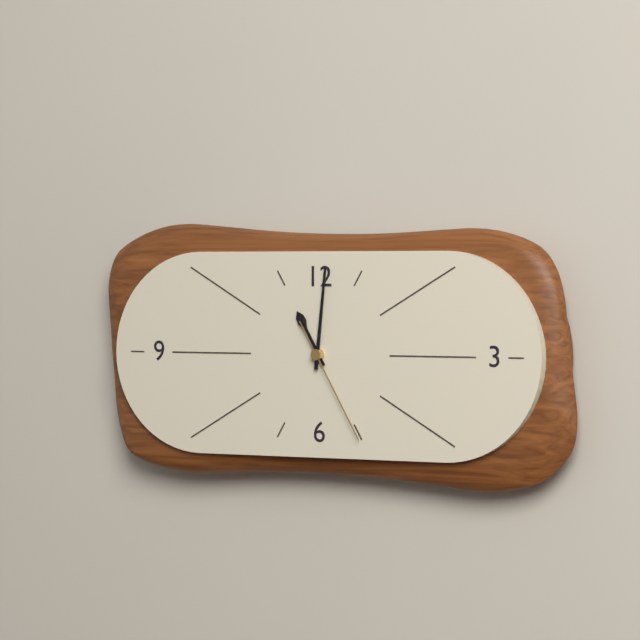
11:01:25
